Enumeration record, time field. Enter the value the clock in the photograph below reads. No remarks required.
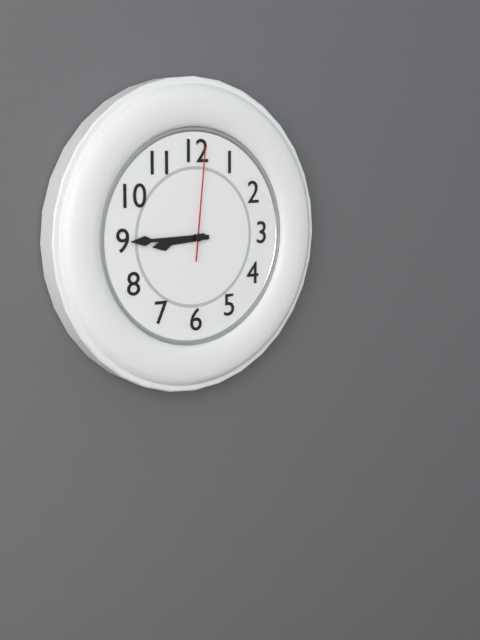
8:45:01
